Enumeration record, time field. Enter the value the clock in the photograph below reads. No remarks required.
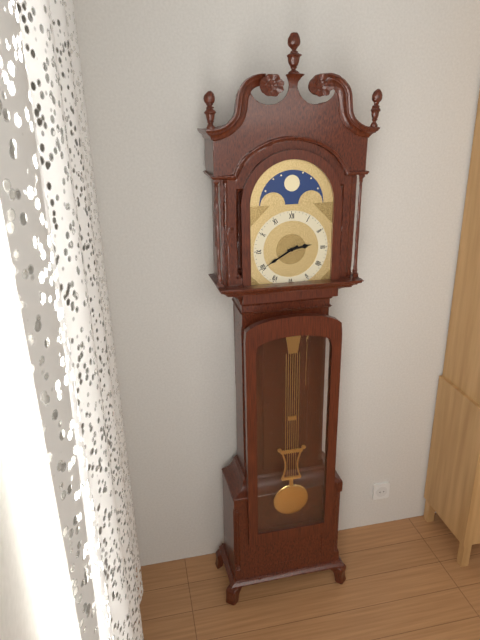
2:40
